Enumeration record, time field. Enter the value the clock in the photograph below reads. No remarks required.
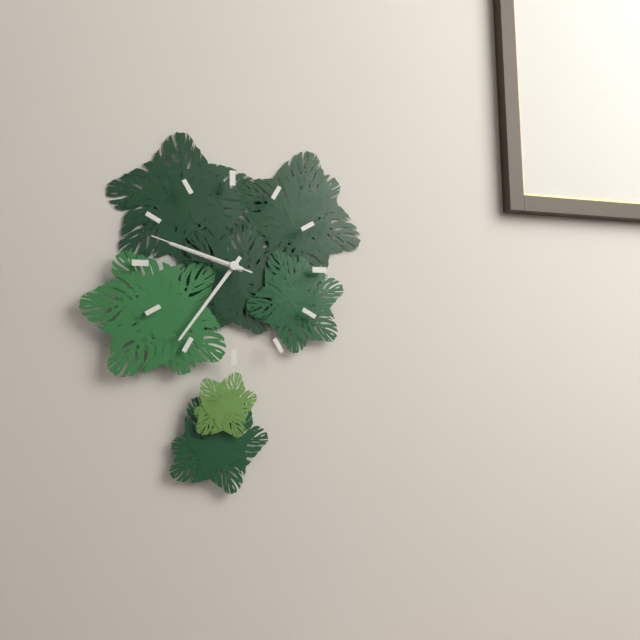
9:36:48
